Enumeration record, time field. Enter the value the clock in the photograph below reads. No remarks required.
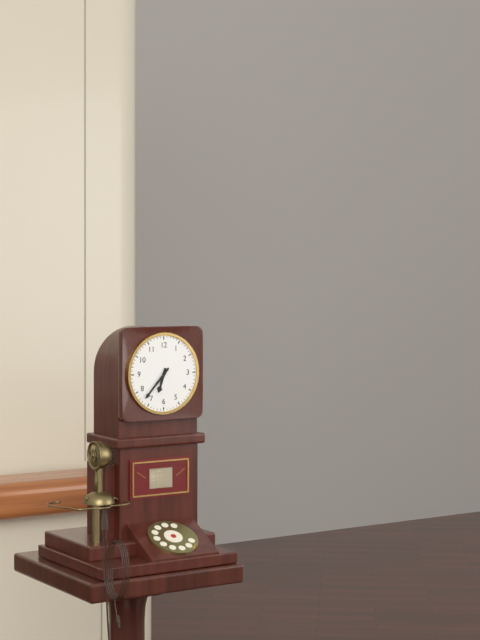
6:37
